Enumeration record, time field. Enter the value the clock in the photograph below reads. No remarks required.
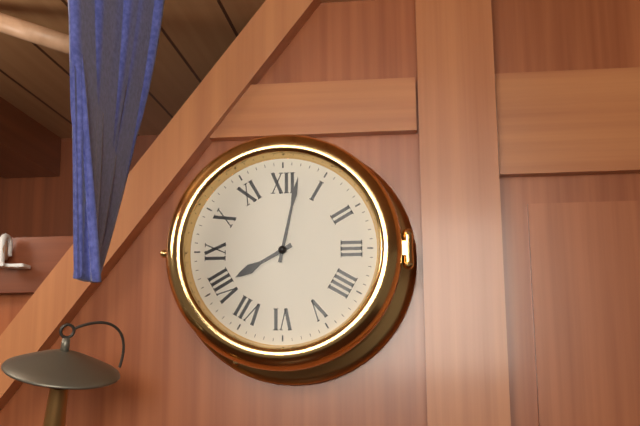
8:02
